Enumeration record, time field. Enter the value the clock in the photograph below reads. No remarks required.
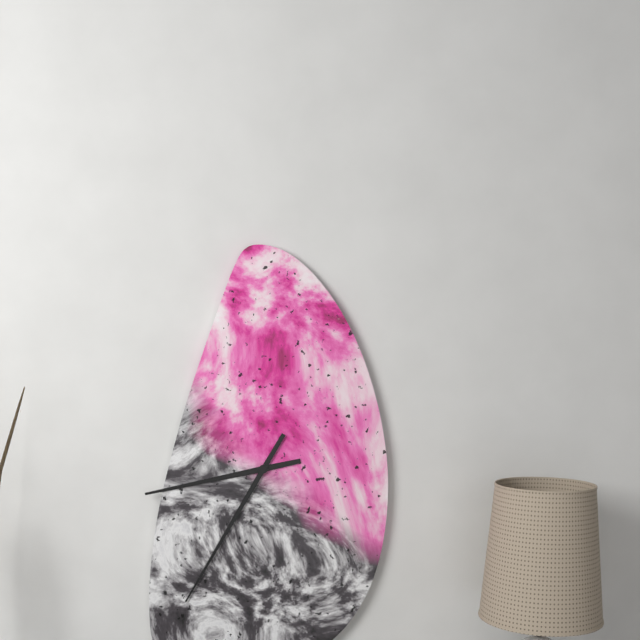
8:35
